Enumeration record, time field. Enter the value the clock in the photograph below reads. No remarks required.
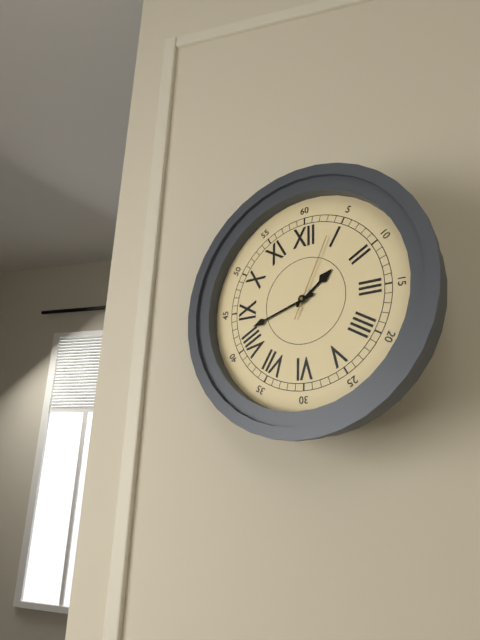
1:42:04
